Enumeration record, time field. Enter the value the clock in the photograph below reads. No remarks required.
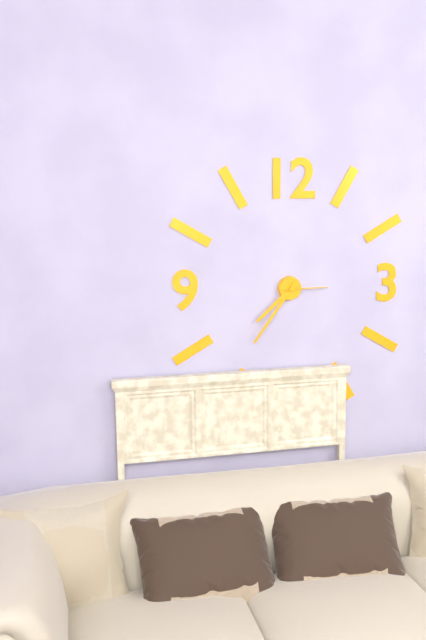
7:36
